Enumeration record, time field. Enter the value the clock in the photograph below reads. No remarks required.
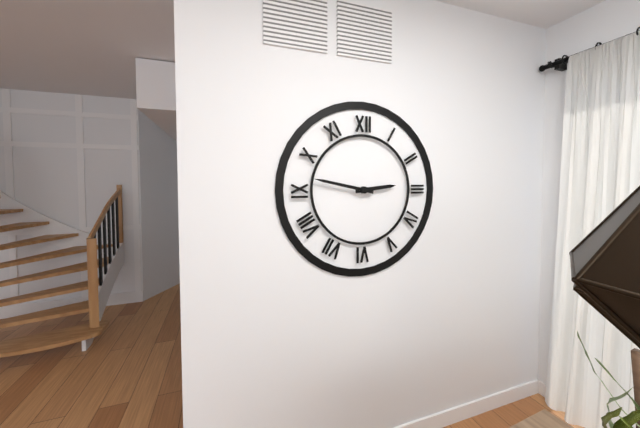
2:47
